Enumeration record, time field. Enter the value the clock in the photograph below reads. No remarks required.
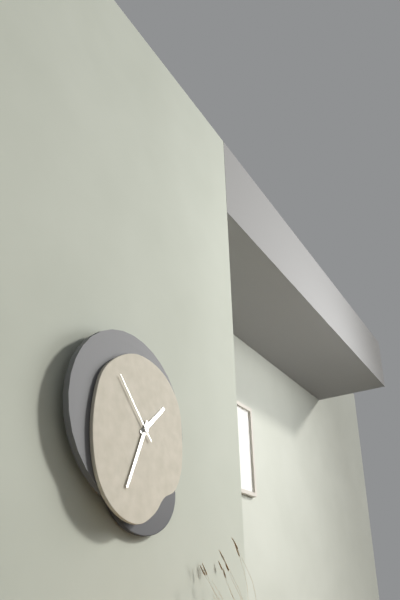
1:34:53
